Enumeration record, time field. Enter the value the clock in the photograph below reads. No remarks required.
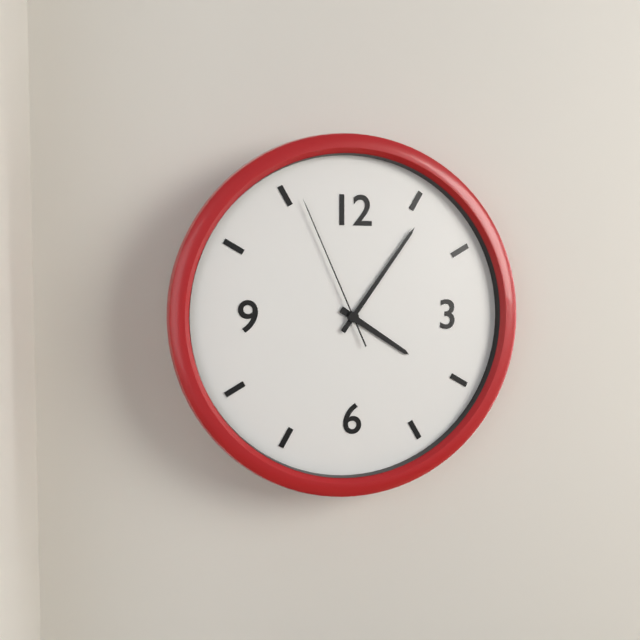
4:06:56
